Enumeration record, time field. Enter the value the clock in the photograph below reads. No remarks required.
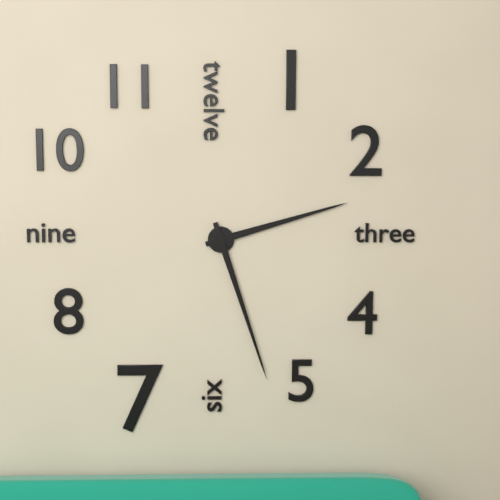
2:27
